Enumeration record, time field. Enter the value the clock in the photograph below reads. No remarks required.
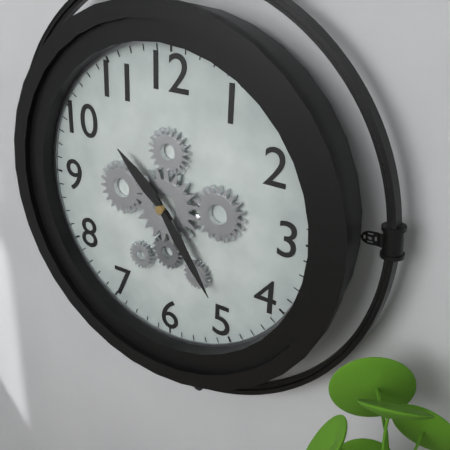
10:24
